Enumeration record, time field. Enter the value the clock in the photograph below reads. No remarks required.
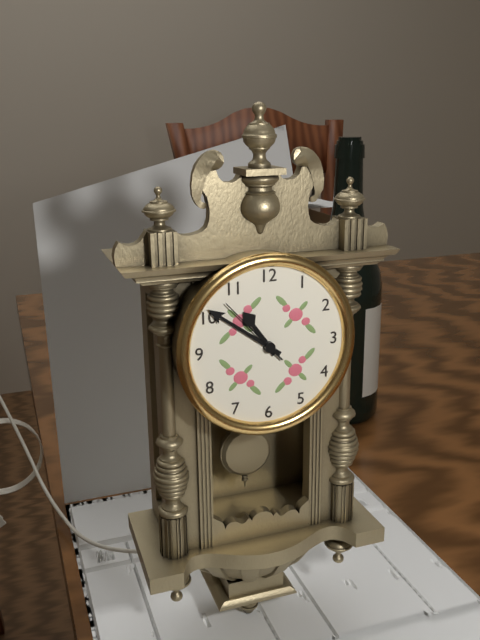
10:51:53
